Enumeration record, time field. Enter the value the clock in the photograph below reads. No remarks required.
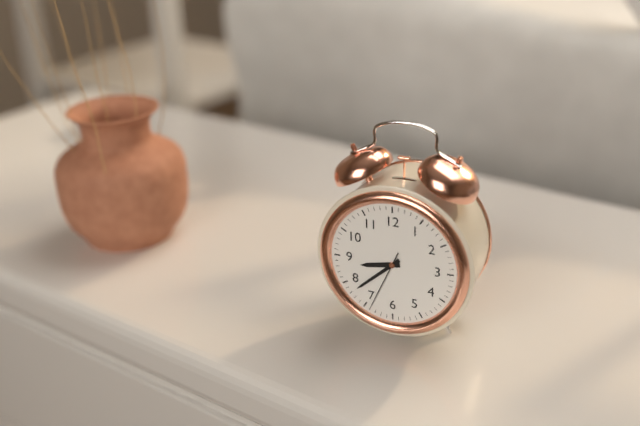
8:38:34
